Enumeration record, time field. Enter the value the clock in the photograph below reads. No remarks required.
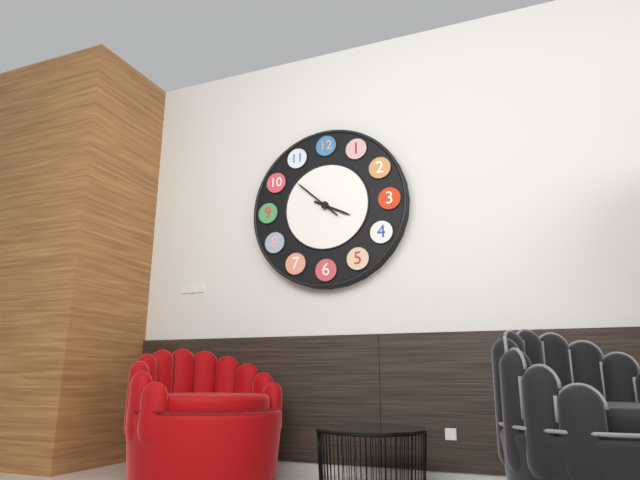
3:52
